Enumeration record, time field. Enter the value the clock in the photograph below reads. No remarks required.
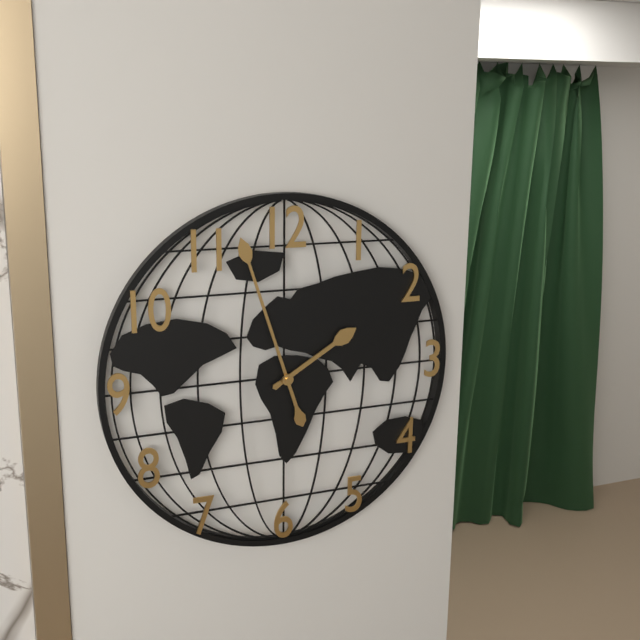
1:57
